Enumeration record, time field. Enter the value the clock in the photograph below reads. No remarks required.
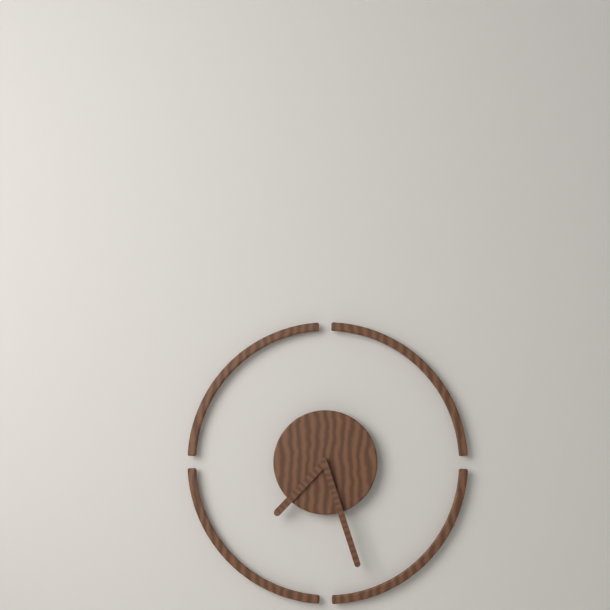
7:27
